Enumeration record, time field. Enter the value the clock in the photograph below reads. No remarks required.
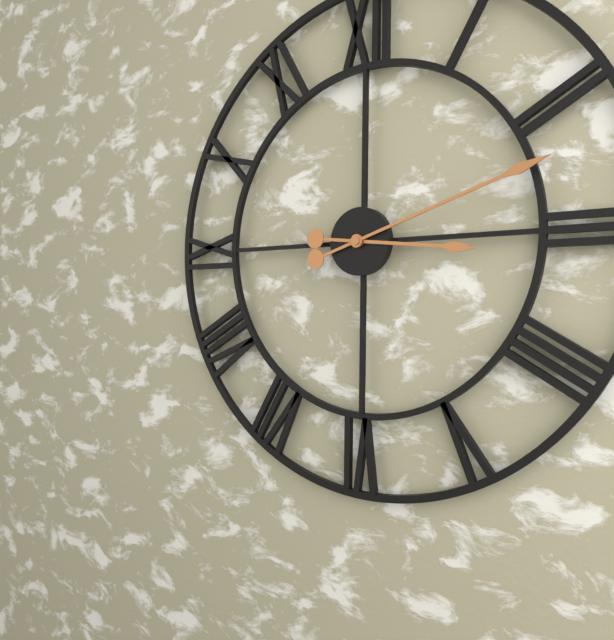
3:12
